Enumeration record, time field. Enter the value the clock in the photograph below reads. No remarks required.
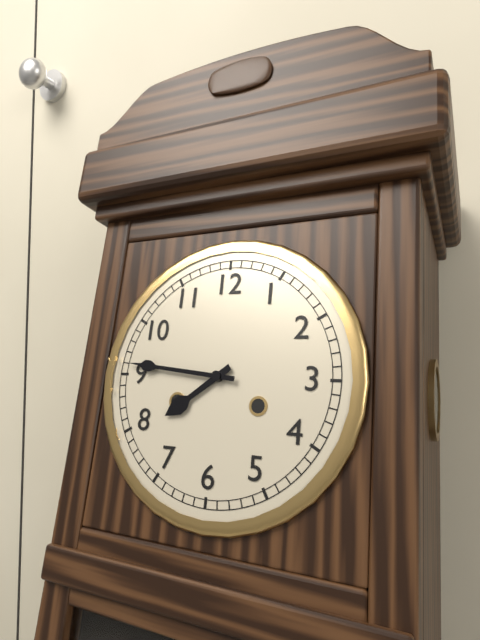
7:46
